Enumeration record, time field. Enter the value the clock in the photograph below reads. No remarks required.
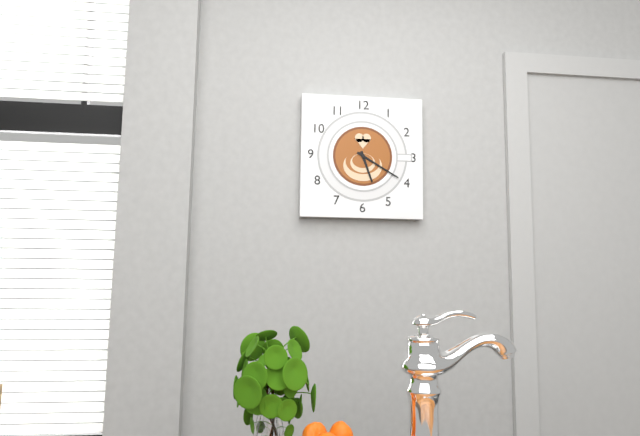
5:20
